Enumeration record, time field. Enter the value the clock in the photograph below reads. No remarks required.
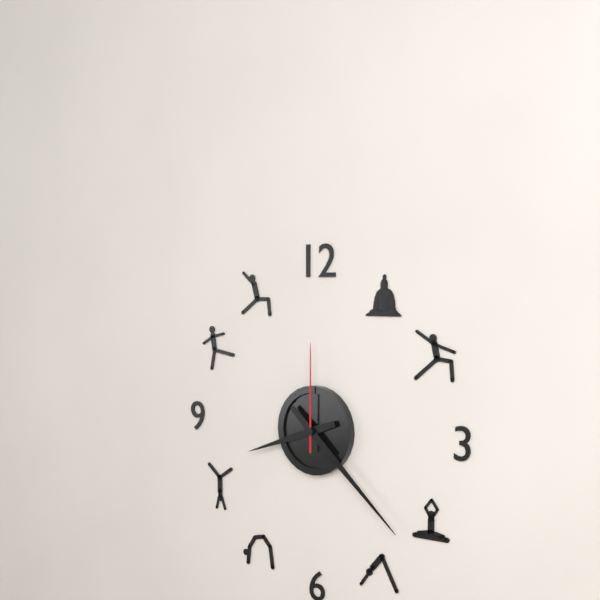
8:22:00
